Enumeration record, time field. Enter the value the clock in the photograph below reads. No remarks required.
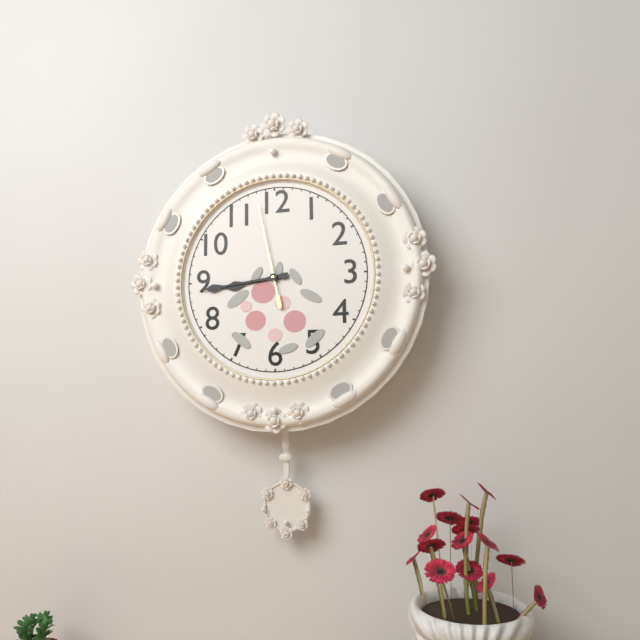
8:44:58
